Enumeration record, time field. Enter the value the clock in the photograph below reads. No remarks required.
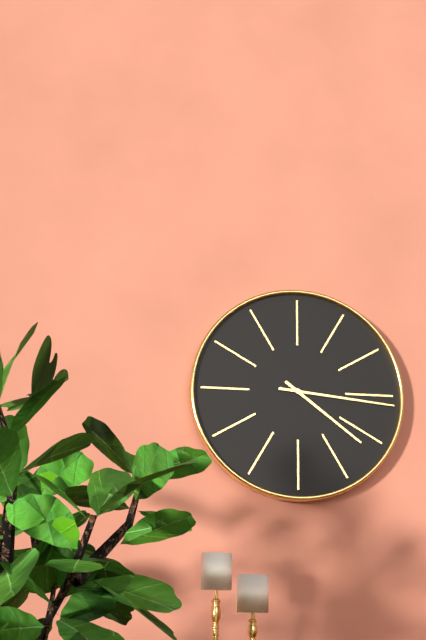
4:16
